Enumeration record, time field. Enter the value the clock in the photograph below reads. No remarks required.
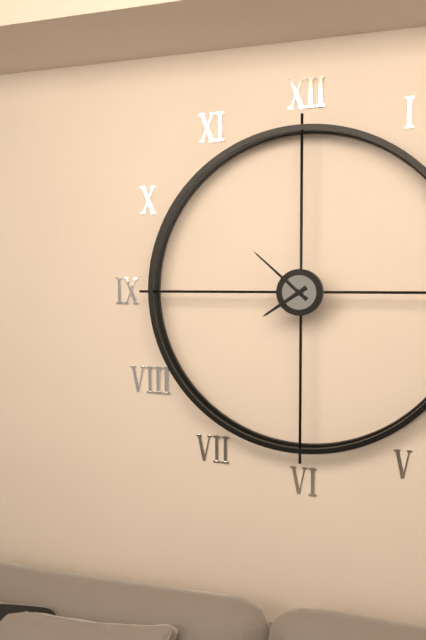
7:52
